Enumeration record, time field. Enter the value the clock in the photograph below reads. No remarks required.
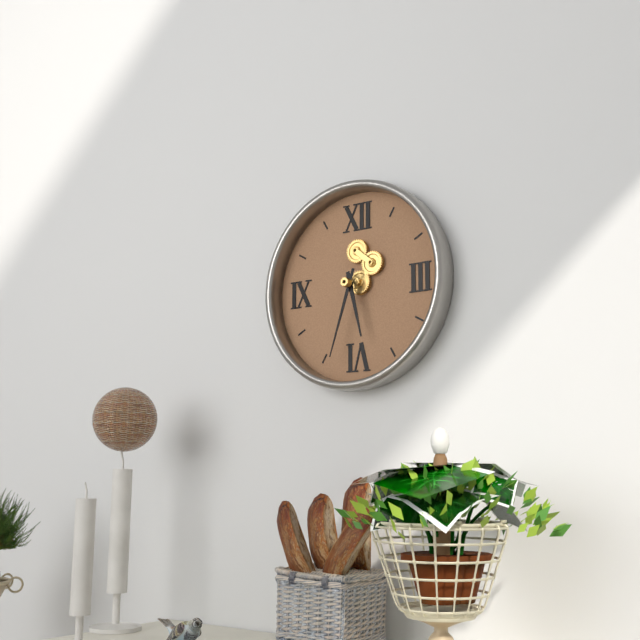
5:33
